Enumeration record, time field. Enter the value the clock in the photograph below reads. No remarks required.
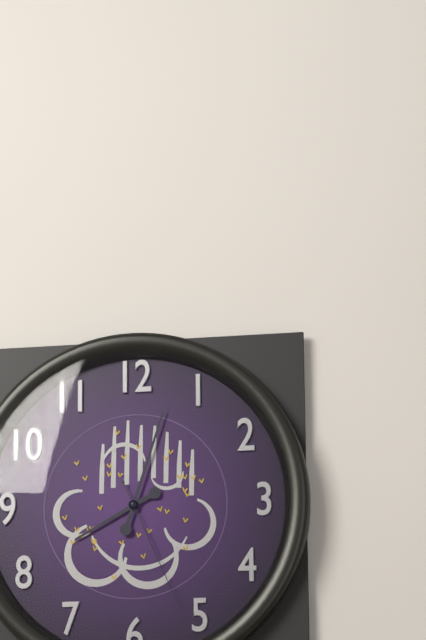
8:03:26
